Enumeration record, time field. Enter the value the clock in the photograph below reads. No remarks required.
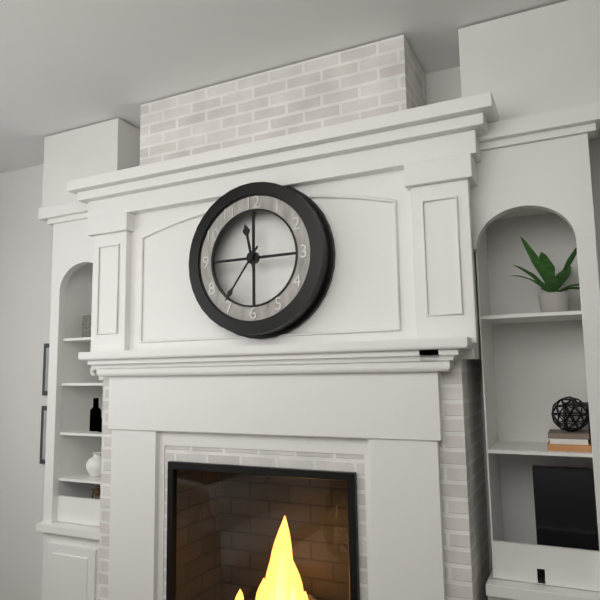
11:36
